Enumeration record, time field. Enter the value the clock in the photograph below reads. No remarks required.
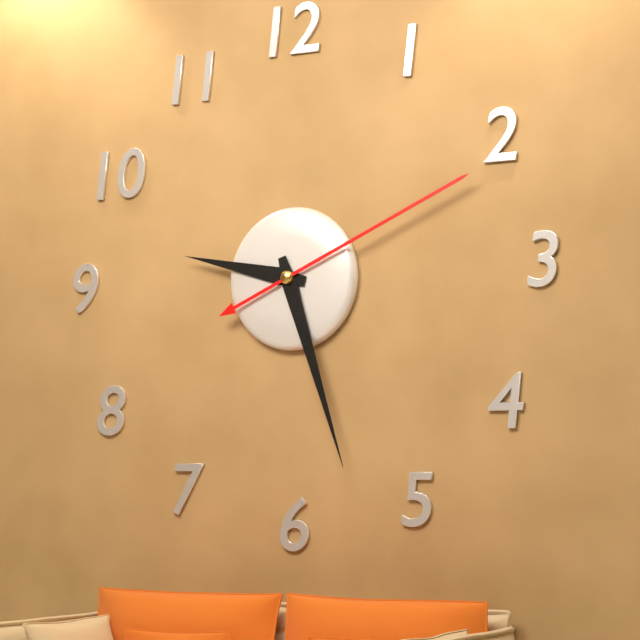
9:27:11
